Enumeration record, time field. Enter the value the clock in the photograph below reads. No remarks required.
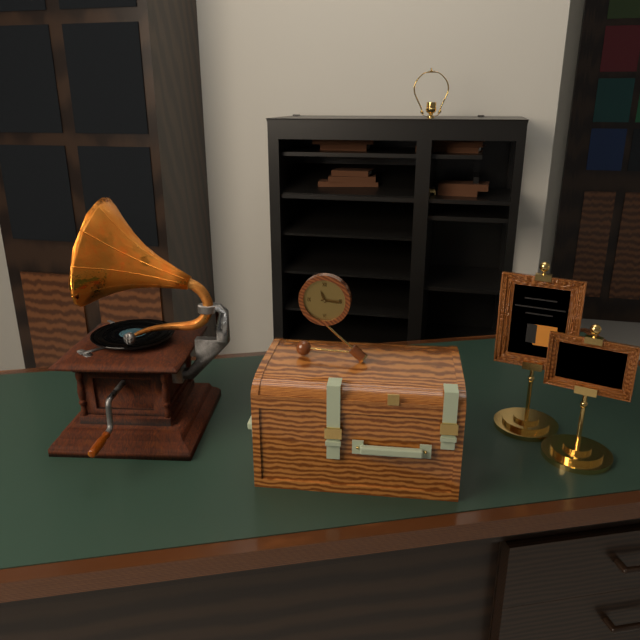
11:16
